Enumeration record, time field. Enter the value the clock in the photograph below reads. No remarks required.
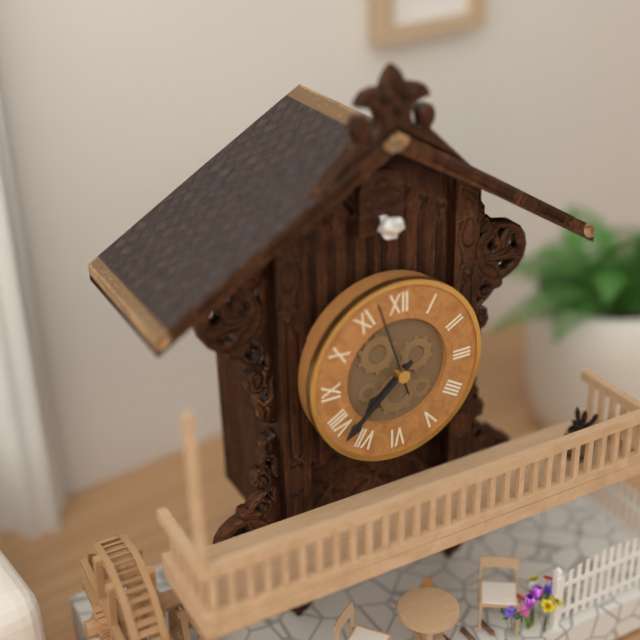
7:38:57
